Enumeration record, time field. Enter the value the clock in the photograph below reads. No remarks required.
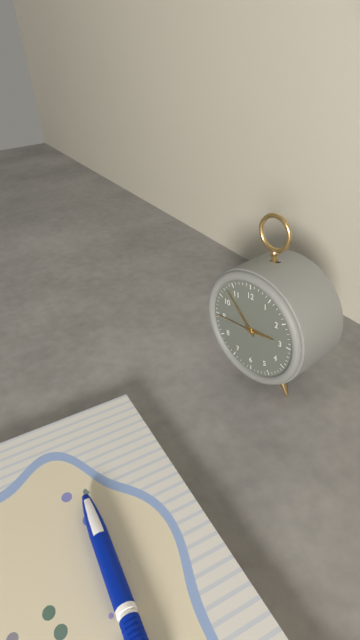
2:53
